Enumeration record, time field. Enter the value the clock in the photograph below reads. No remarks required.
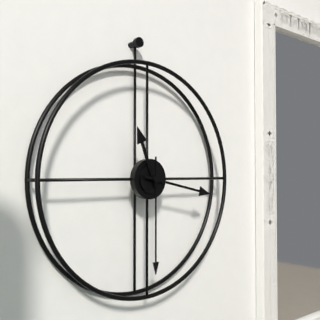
11:17:30
